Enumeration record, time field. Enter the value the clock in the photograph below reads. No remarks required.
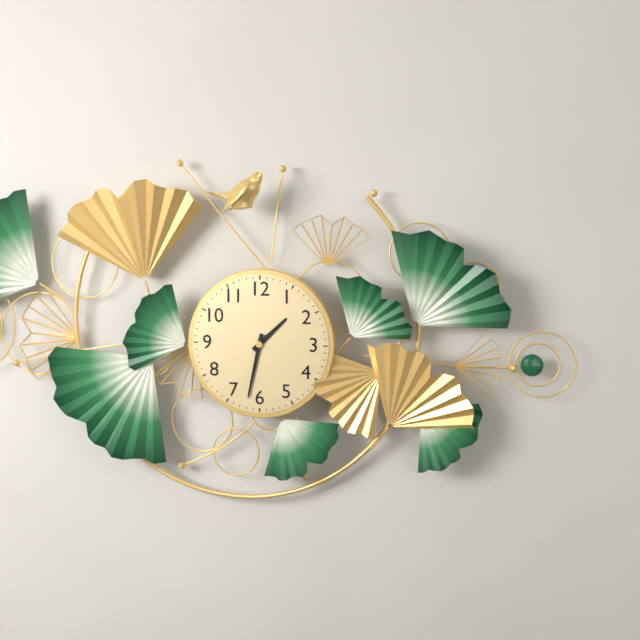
1:32
